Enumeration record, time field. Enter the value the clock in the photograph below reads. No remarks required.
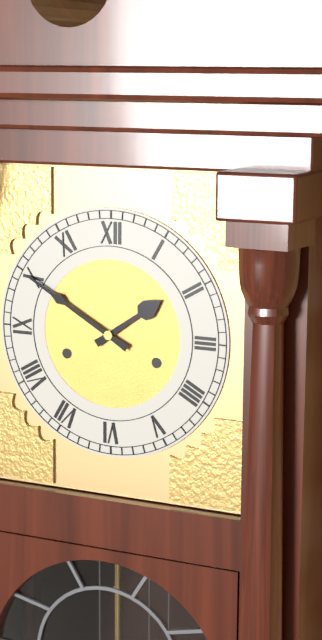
1:50
